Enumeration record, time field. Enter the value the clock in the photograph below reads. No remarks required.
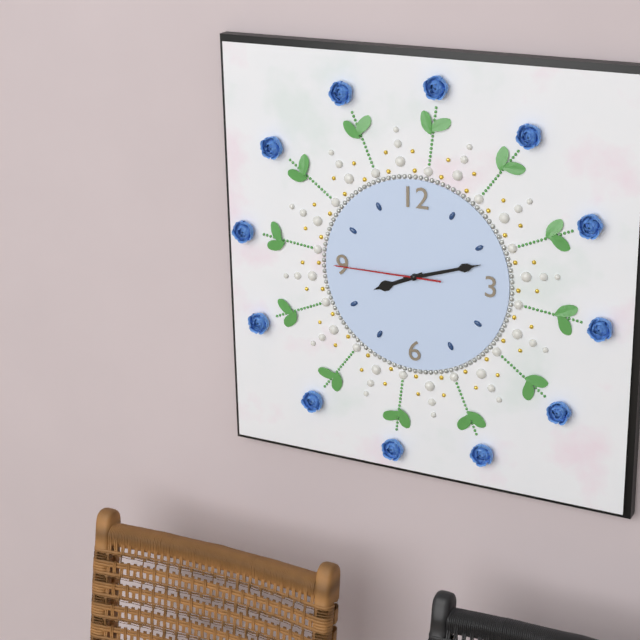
8:12:45
